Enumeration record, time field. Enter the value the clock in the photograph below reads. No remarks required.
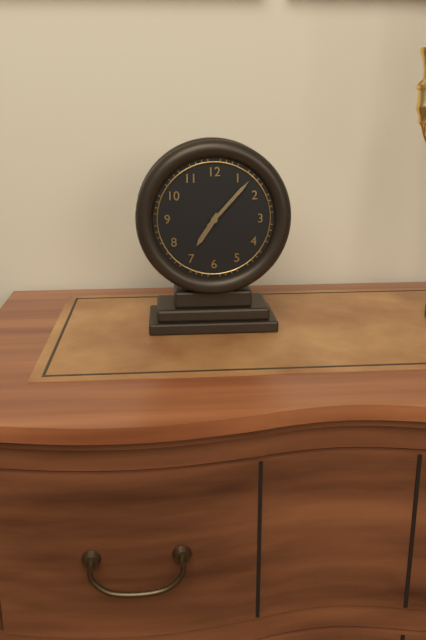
7:07
